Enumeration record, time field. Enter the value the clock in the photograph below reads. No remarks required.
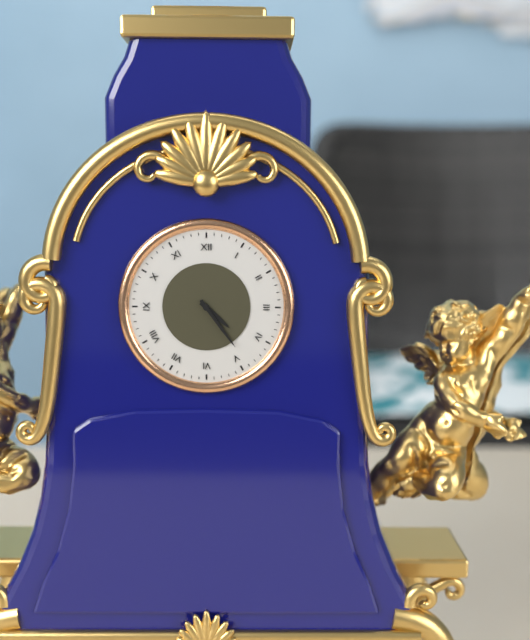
4:24
